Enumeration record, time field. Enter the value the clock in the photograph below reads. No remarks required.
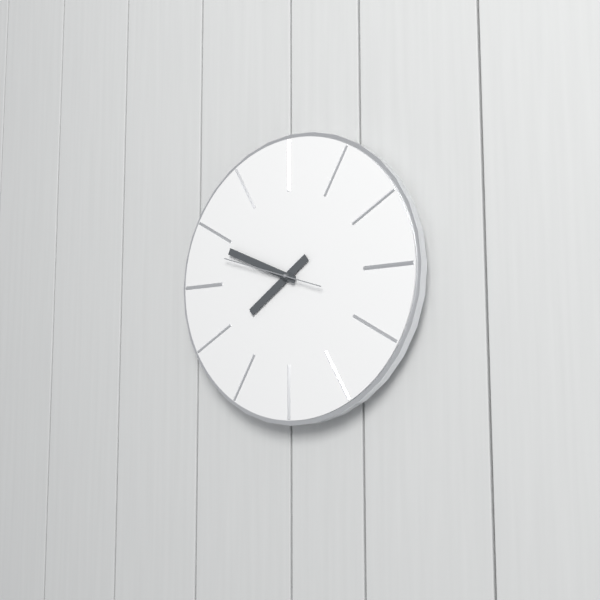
7:49:48
